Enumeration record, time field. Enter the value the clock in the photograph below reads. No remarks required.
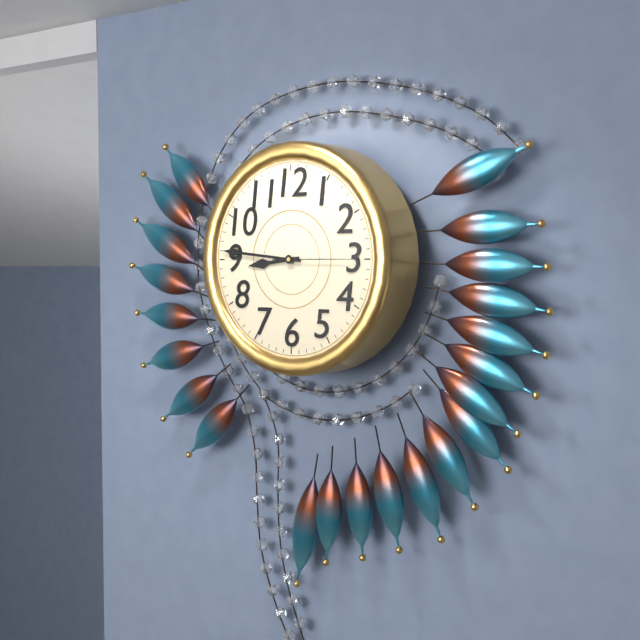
8:46:15
